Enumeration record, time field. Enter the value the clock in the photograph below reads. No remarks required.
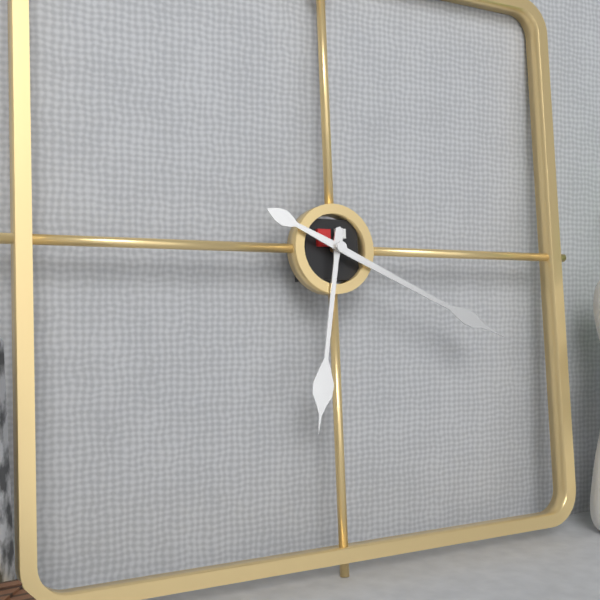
6:19
